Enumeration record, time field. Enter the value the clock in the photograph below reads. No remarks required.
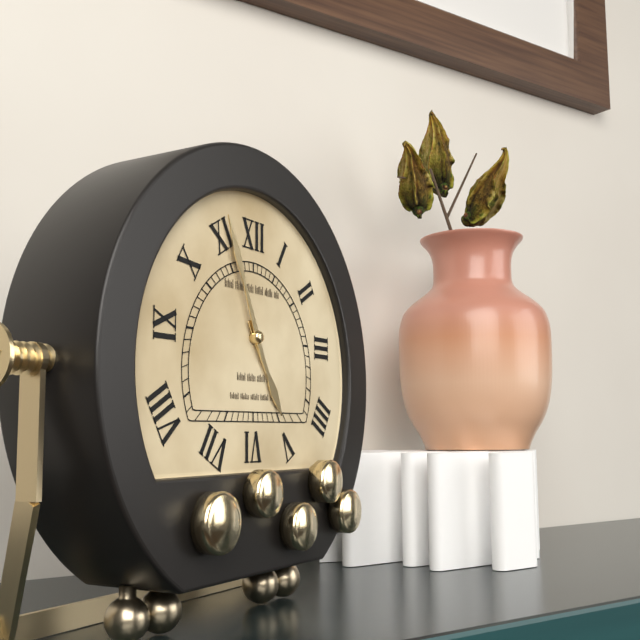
4:56
